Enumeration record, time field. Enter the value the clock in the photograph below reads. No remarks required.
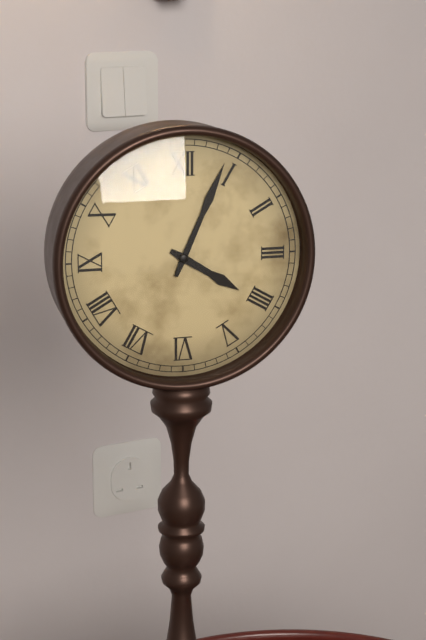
4:04
